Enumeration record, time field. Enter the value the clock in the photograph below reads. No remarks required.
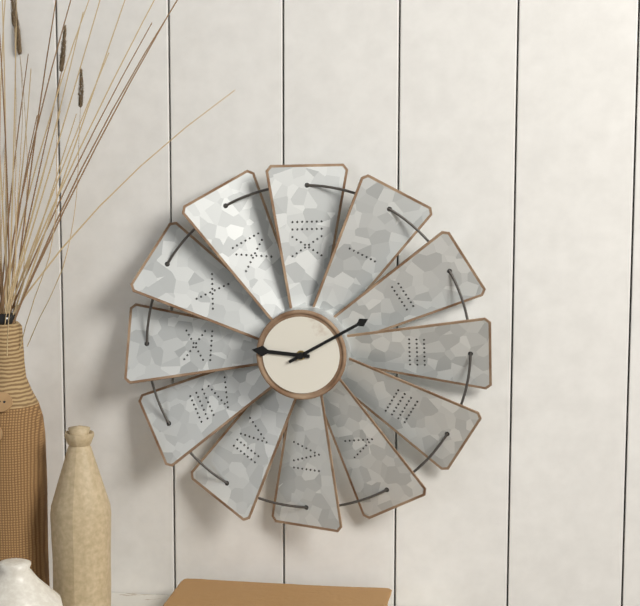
9:10
